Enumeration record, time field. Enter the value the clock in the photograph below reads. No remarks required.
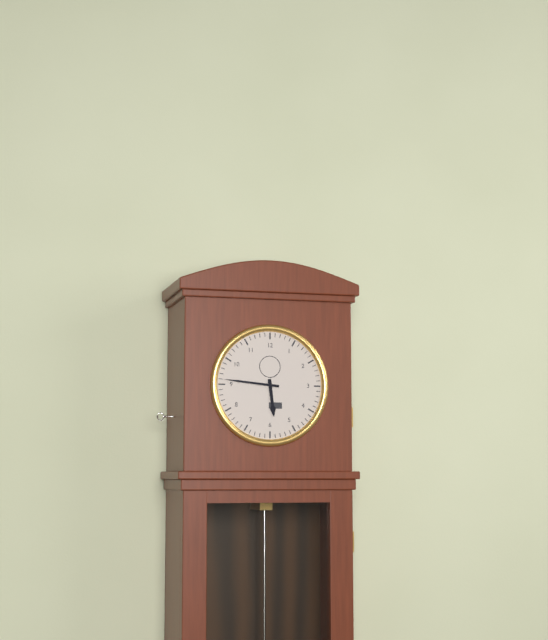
5:46
